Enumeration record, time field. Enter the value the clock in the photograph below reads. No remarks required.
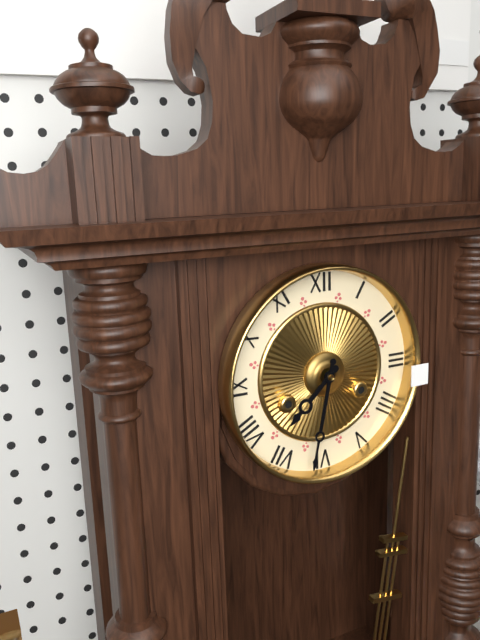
7:32
